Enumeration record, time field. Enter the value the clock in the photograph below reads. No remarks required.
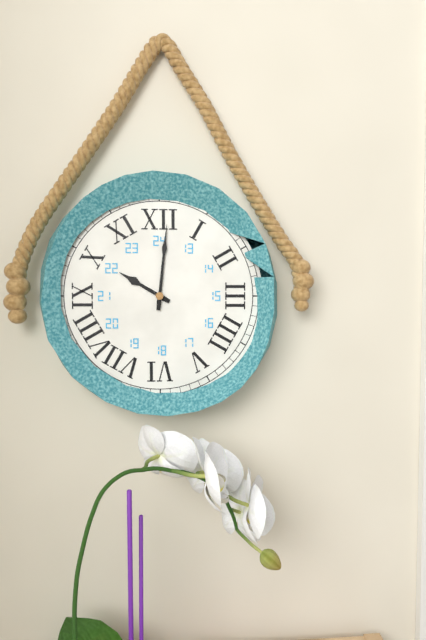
10:01
